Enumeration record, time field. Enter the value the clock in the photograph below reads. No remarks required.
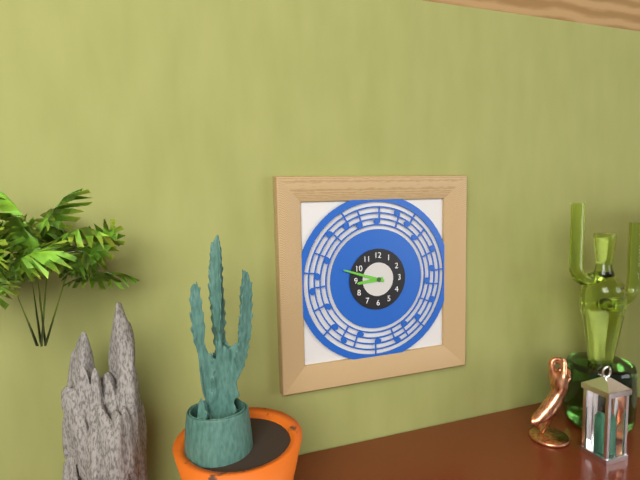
8:48
